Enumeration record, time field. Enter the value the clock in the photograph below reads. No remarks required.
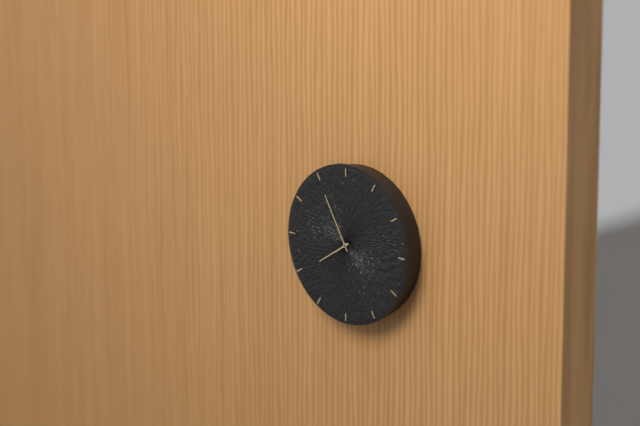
7:55
